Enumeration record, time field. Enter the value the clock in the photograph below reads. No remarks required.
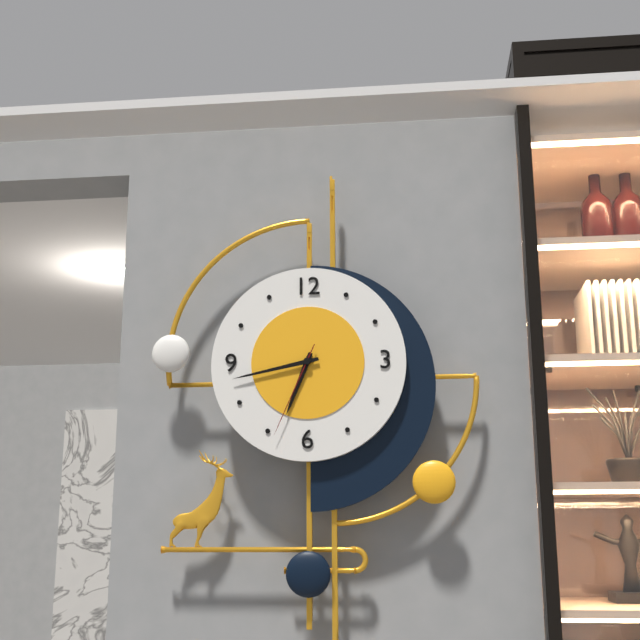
6:43:34
